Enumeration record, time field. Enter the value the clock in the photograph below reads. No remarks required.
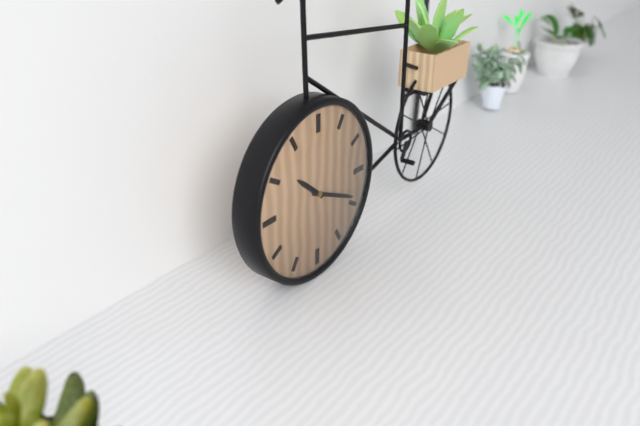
10:19
